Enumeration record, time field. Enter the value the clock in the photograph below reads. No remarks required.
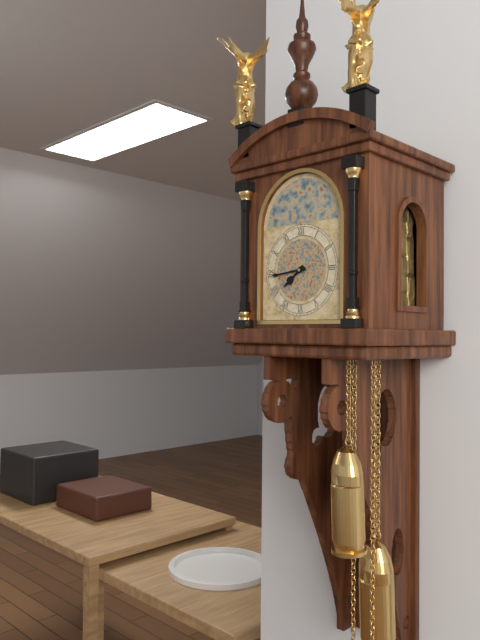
7:44
